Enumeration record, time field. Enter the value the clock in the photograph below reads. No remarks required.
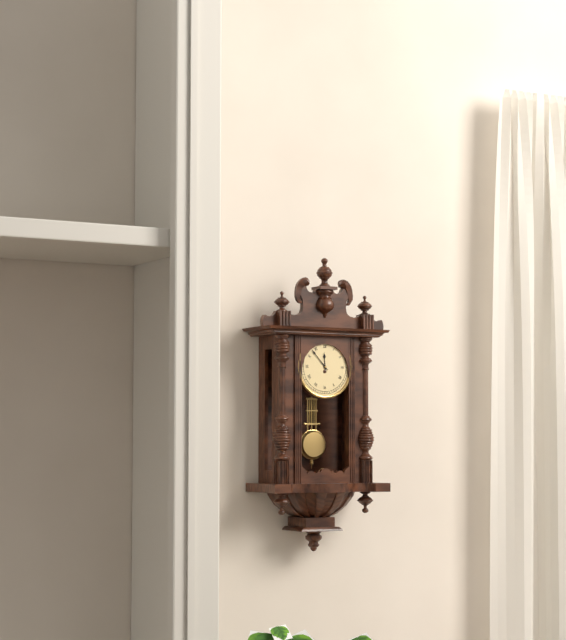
11:53
